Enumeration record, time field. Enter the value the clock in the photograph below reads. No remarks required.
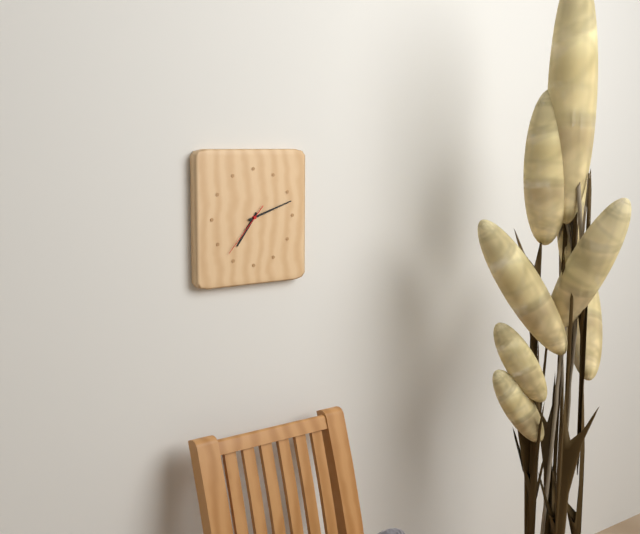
7:12:37
